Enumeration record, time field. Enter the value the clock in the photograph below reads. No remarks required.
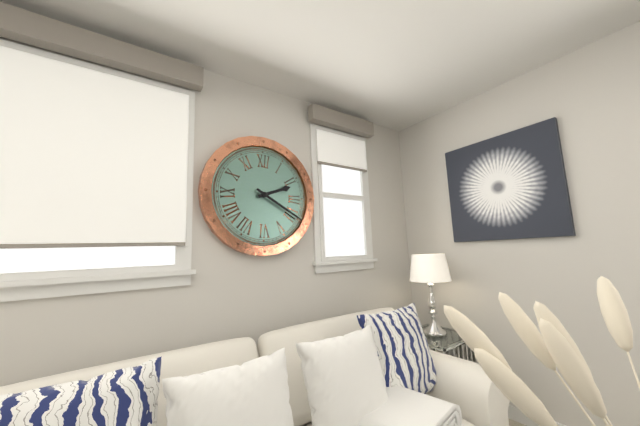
2:20
